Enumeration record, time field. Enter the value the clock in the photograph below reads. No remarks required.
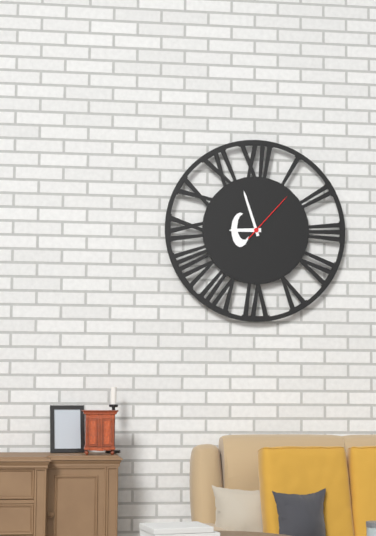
8:57:07
